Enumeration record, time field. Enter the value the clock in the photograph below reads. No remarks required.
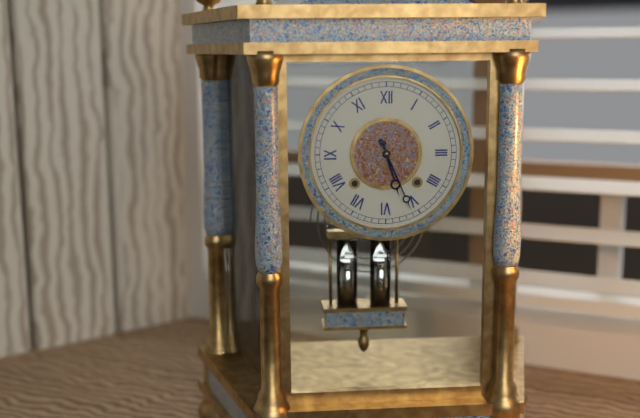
5:26
